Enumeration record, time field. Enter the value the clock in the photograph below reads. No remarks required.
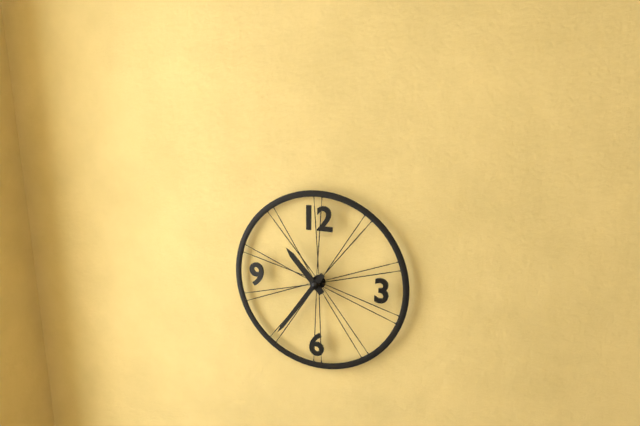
10:36
